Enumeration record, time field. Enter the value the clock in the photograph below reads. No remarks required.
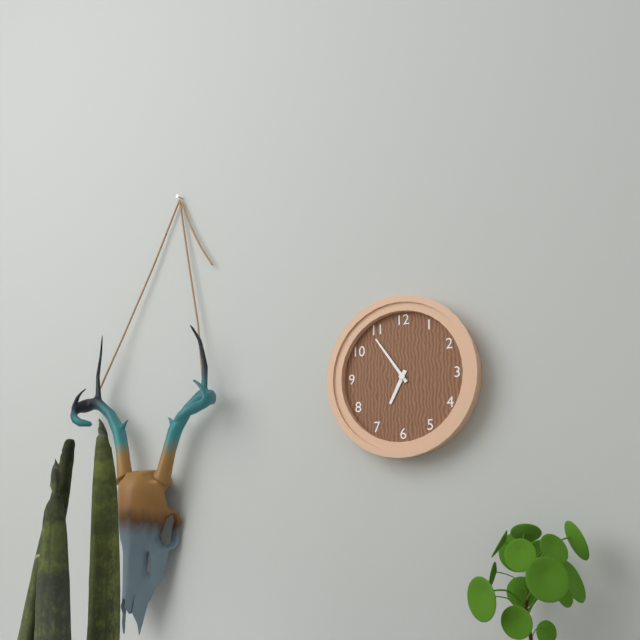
6:54
